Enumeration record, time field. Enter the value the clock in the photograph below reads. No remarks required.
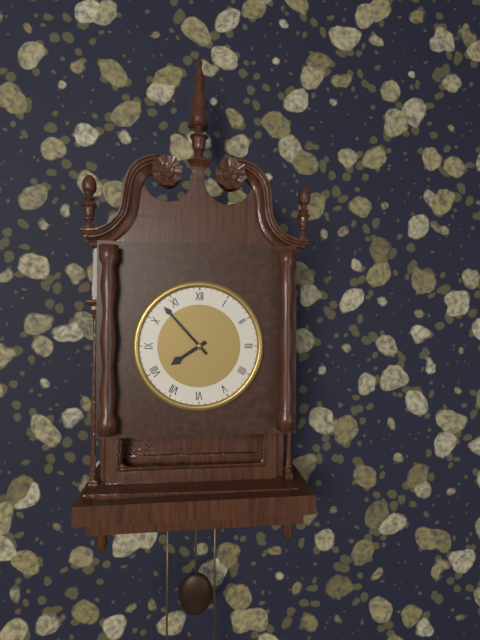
7:53
